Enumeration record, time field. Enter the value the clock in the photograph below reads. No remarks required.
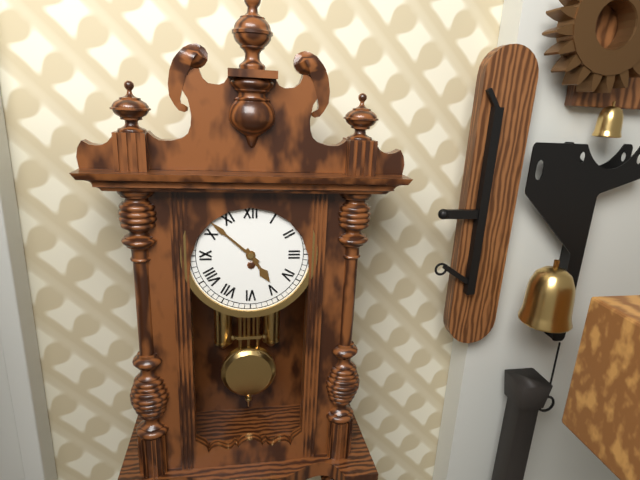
4:52
